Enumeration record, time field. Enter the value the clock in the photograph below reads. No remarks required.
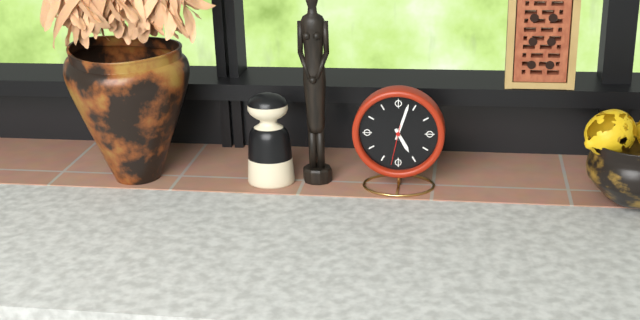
5:03
